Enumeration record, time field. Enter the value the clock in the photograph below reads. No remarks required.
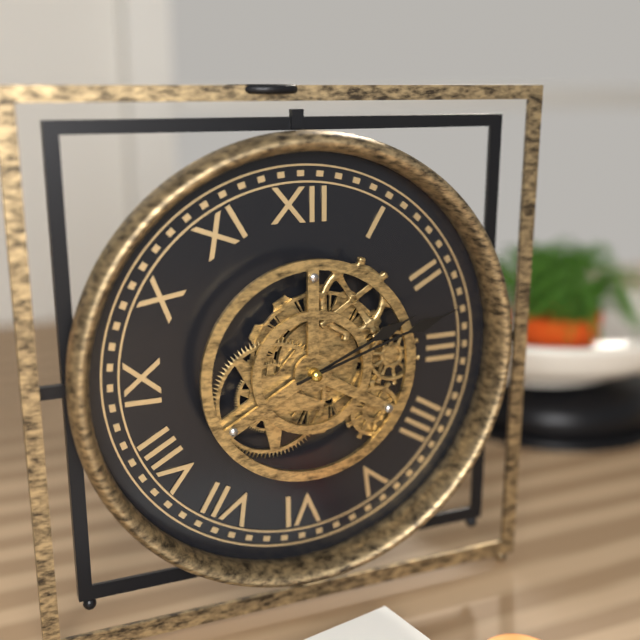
2:12
